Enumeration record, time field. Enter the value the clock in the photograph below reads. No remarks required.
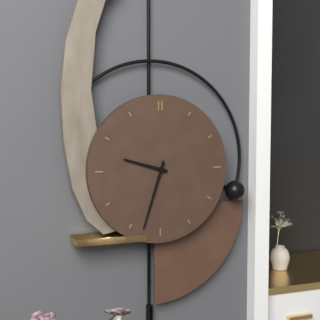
9:33
